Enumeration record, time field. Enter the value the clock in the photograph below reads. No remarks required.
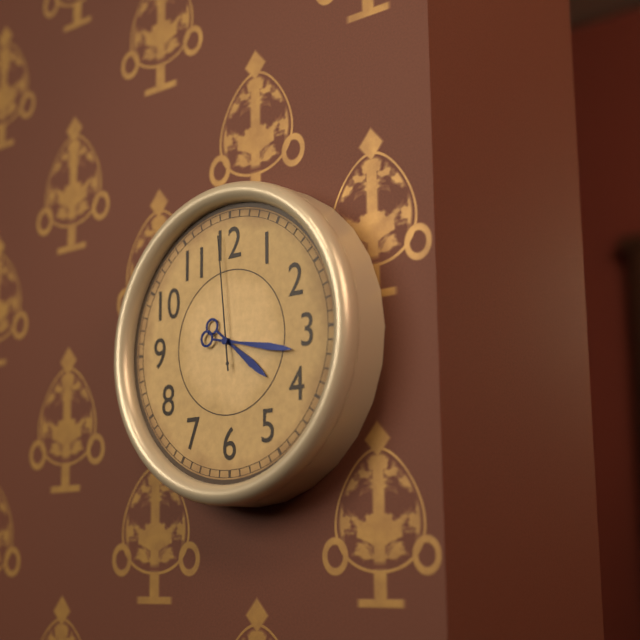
4:17:59
